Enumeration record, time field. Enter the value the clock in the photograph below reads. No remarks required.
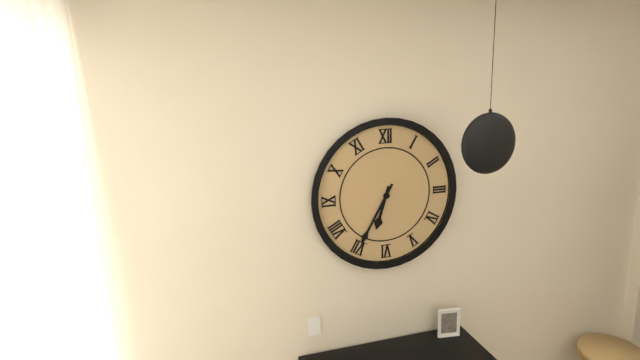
6:35
